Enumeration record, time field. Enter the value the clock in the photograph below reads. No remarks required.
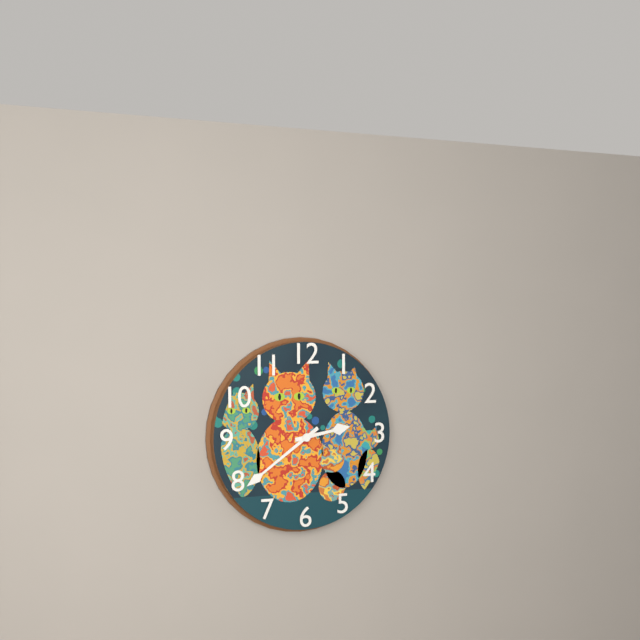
2:39
